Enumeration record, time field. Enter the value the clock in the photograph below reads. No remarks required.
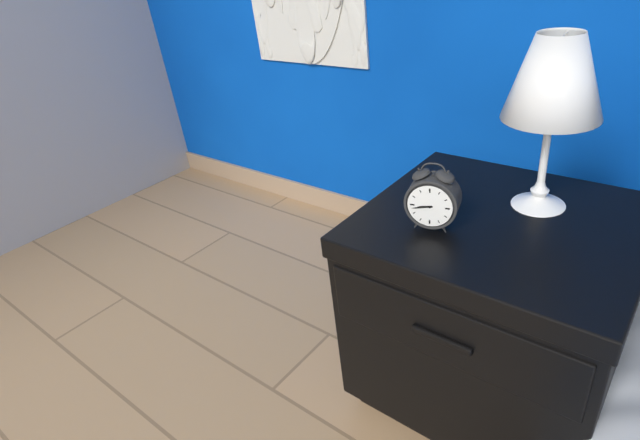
8:43
